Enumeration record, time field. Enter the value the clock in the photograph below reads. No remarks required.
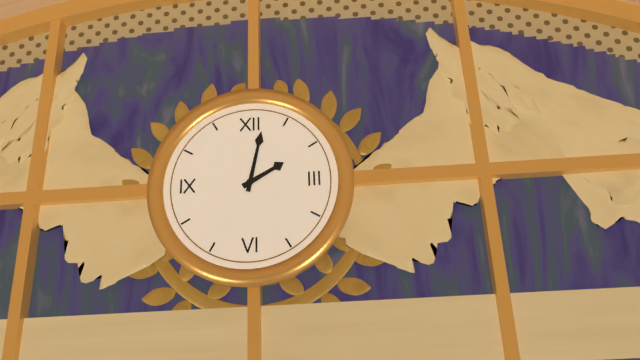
2:02
